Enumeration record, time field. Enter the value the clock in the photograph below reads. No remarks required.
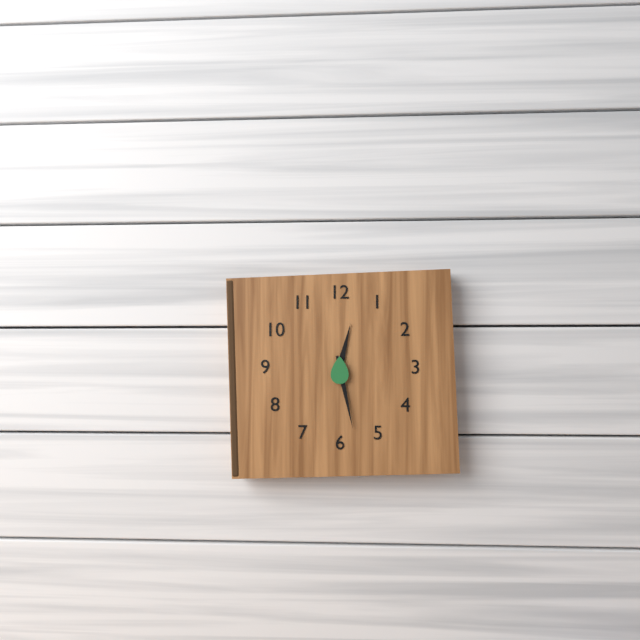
12:28
